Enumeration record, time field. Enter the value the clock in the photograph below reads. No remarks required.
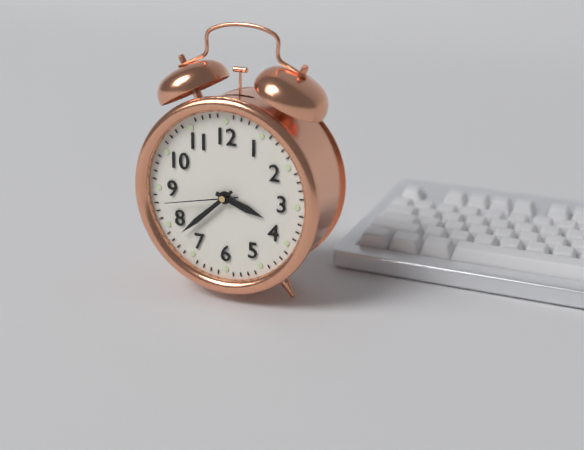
3:38:43
